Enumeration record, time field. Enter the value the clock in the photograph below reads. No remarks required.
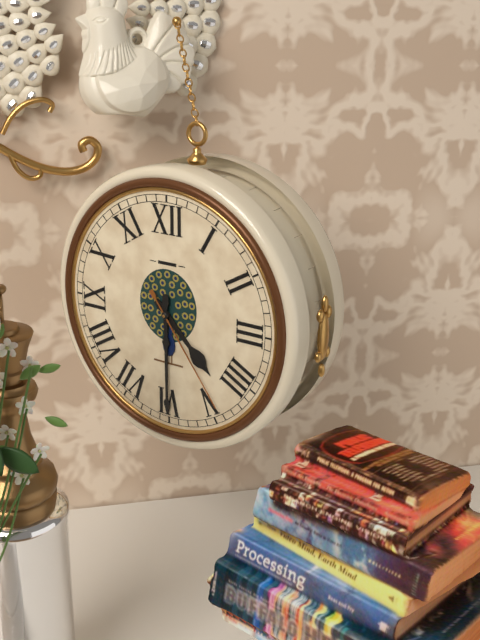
4:30:24
